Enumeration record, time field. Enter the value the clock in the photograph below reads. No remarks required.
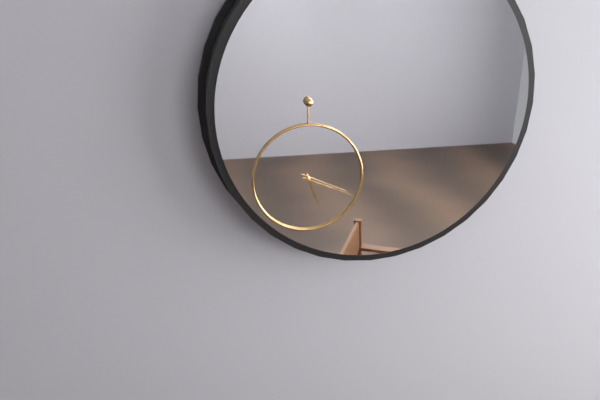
5:19
